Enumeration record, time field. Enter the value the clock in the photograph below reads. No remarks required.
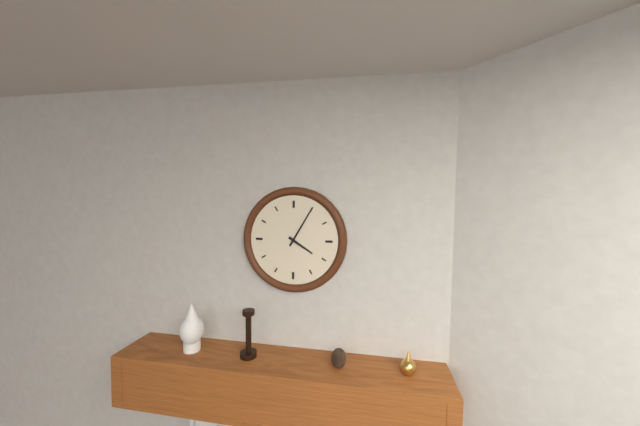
4:05
